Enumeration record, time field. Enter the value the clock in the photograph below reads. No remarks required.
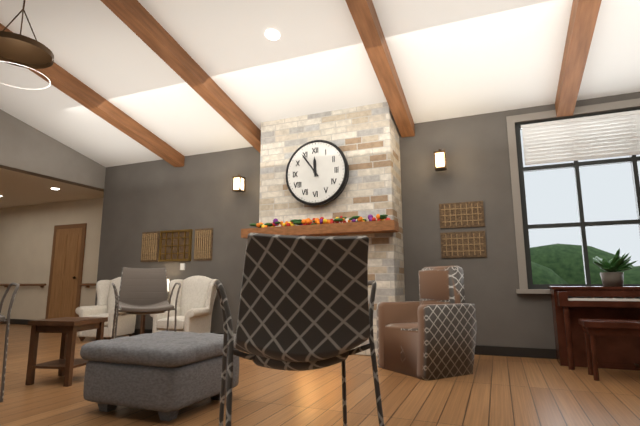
11:54
